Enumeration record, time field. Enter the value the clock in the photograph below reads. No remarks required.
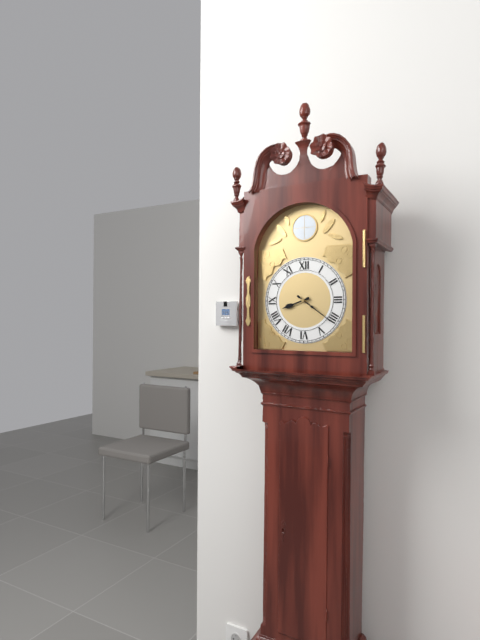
8:21
